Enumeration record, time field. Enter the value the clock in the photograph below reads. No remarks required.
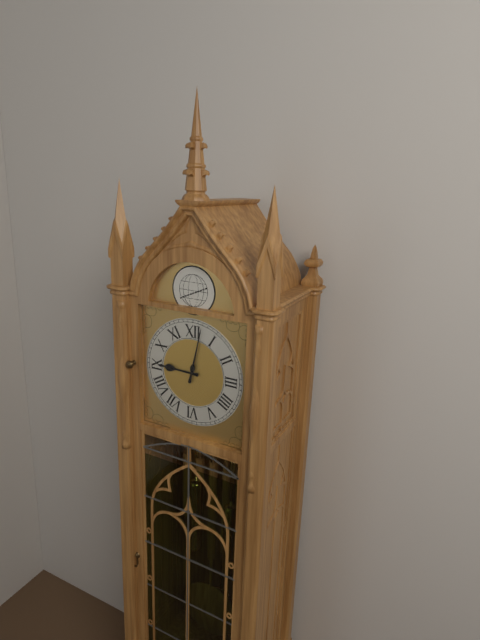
9:02
